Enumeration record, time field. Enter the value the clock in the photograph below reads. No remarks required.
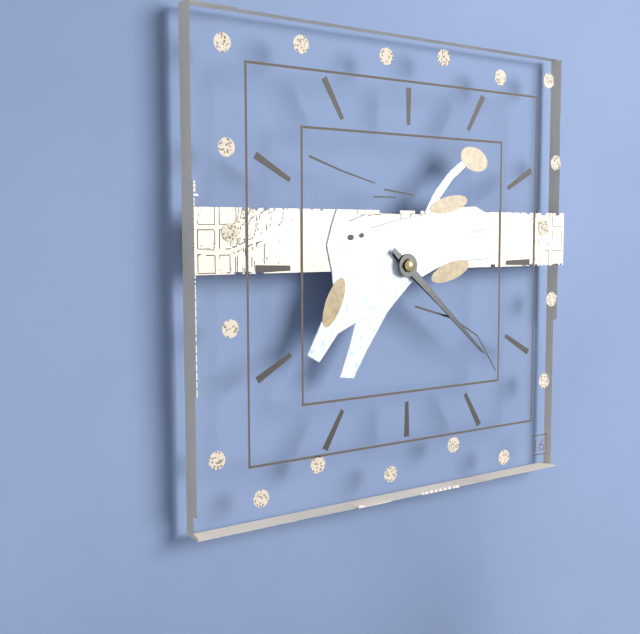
4:22
